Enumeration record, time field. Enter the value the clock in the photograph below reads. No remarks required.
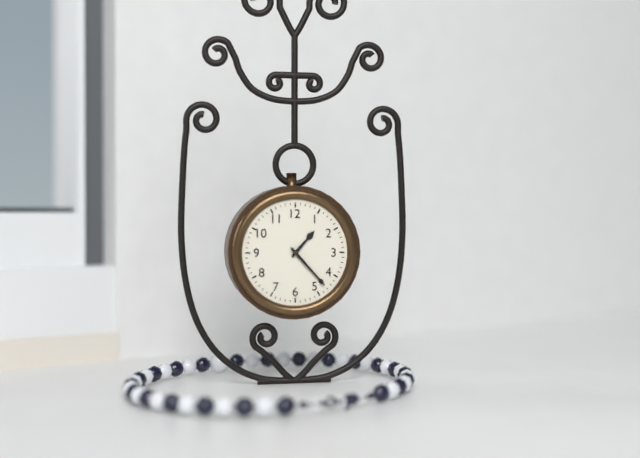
1:23
